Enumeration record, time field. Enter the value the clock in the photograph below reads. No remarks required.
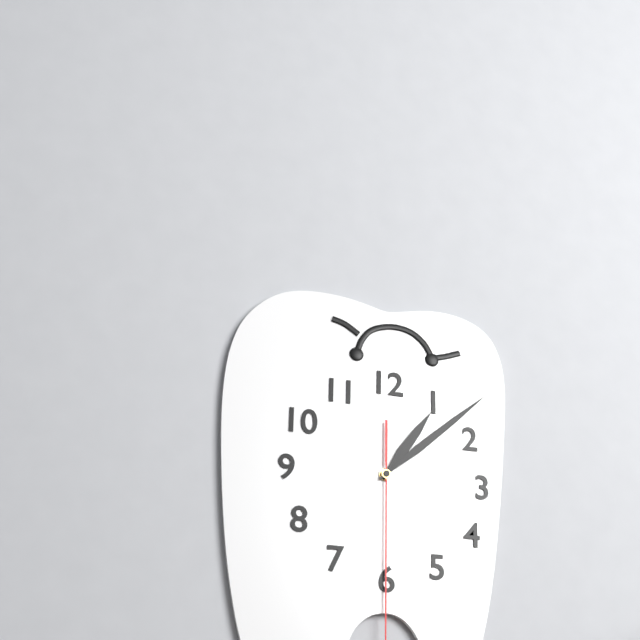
1:08
